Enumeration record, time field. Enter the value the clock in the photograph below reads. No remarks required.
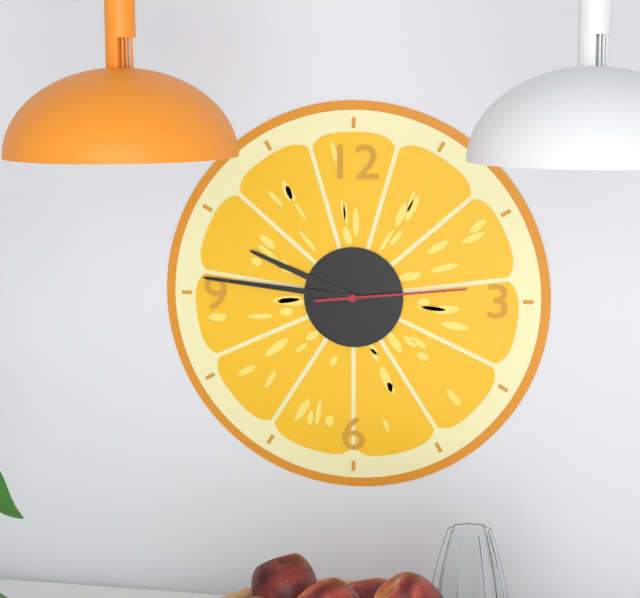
9:46:14
